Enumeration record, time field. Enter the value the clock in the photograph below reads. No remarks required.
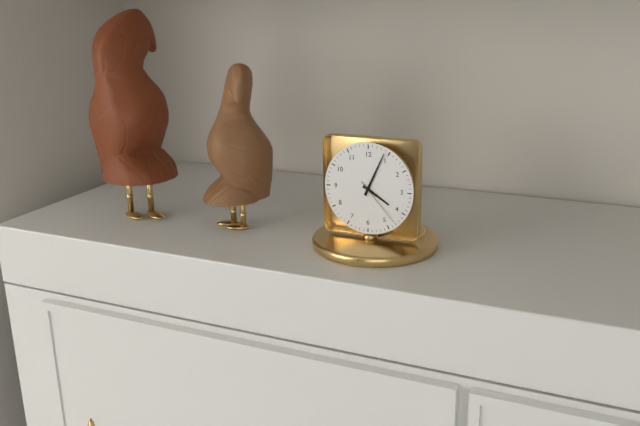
4:04:23
